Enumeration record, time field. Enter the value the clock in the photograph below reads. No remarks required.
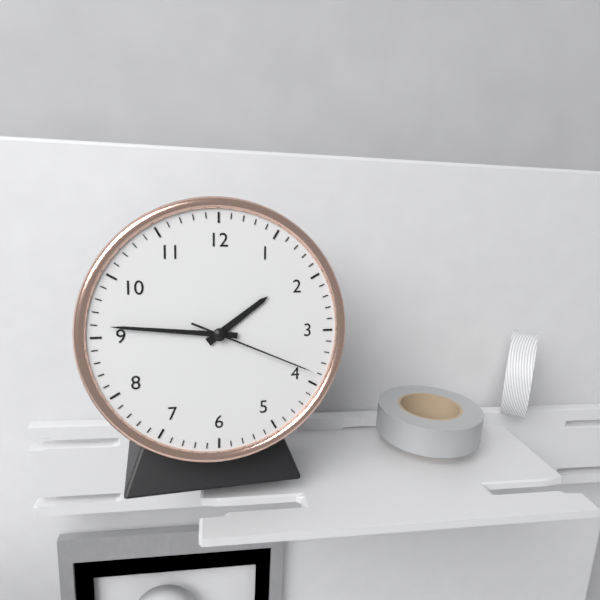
1:46:19
